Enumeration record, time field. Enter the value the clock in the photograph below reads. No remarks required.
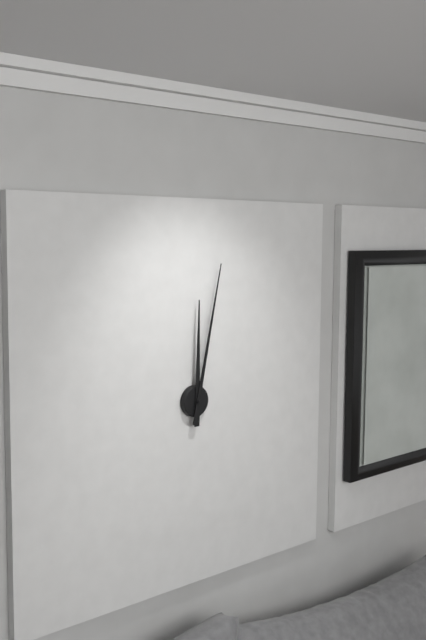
12:02
